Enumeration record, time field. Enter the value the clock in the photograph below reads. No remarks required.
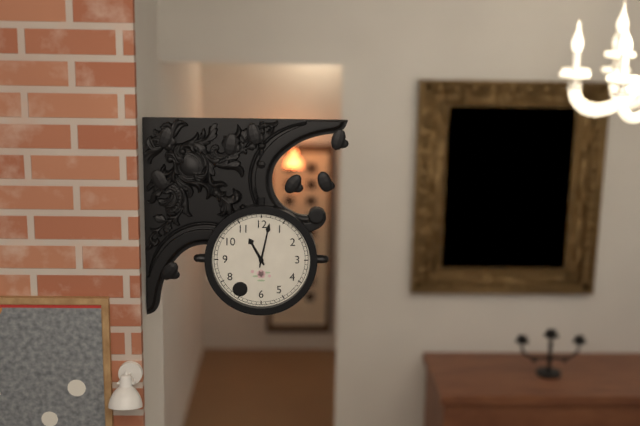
11:02
